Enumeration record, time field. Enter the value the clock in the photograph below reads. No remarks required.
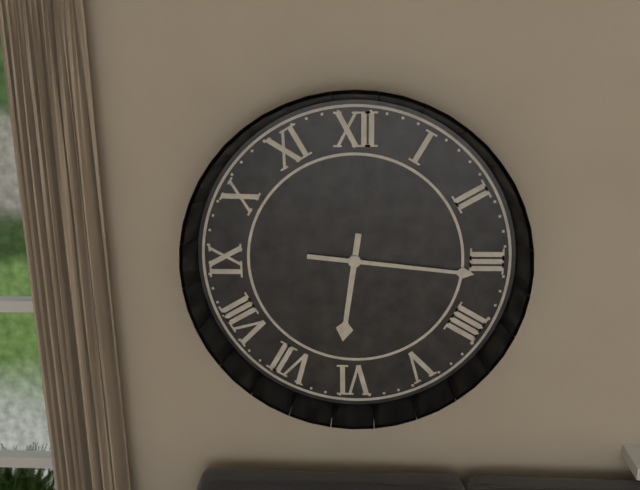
6:16
